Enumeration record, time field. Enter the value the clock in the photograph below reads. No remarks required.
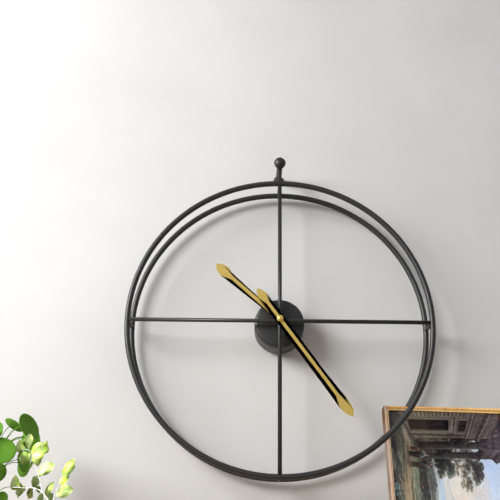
10:24
